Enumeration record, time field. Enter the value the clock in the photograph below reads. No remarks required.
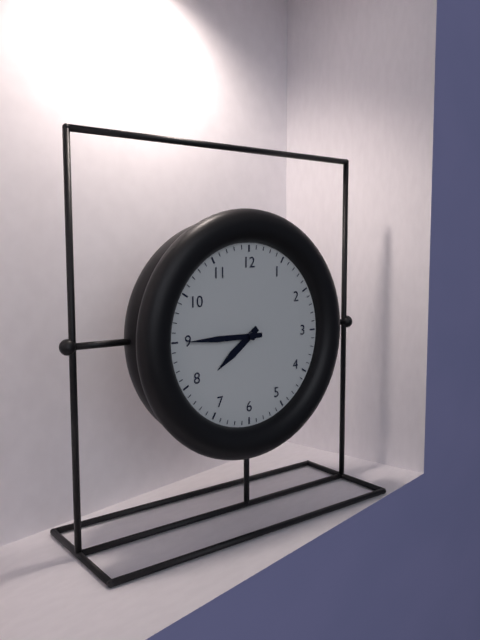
7:45
